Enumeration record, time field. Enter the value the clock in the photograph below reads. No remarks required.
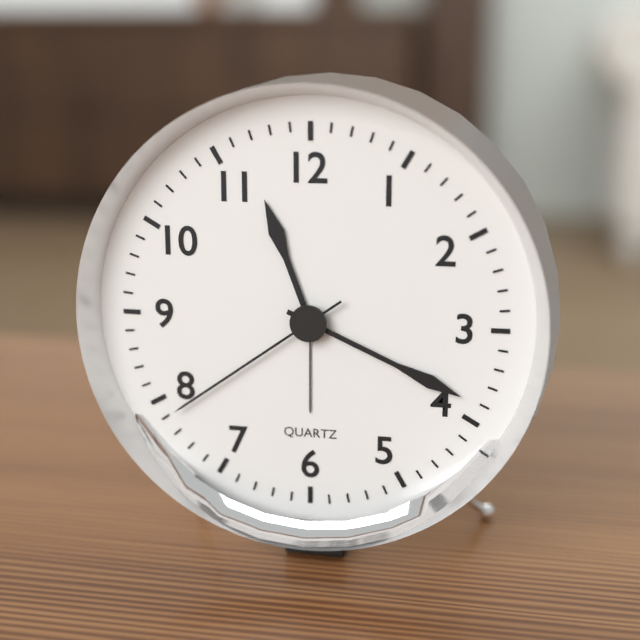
11:19:39
